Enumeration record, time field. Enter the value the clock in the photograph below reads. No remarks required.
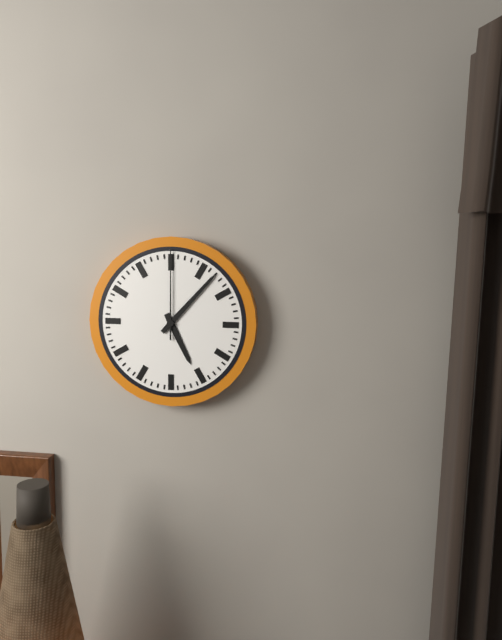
5:07:00
